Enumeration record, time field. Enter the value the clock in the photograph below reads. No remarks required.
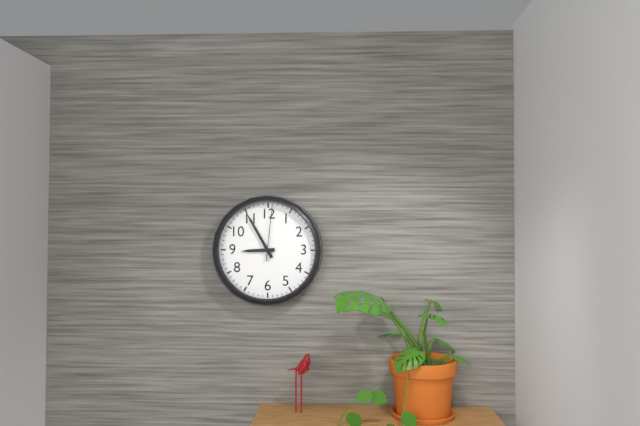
8:55:01
